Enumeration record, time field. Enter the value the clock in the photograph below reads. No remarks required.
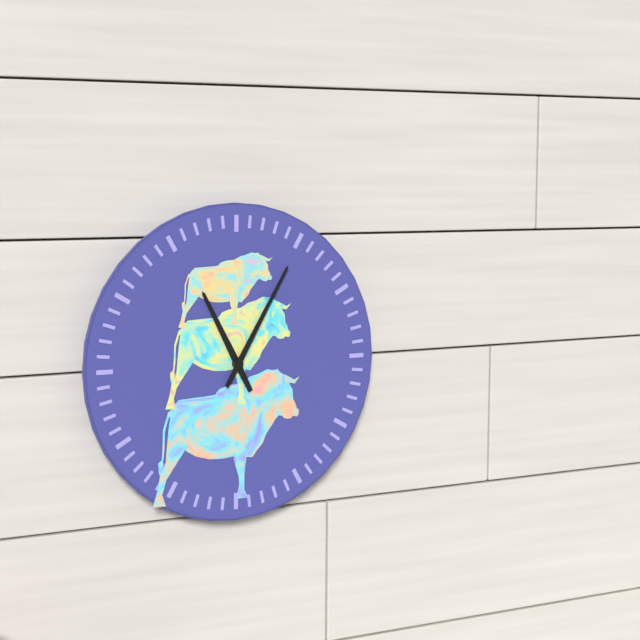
11:05
